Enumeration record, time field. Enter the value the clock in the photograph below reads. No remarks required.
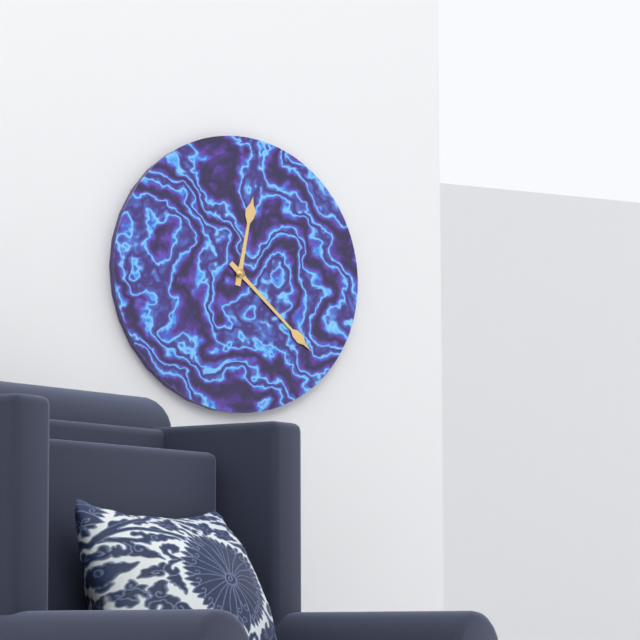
12:22
